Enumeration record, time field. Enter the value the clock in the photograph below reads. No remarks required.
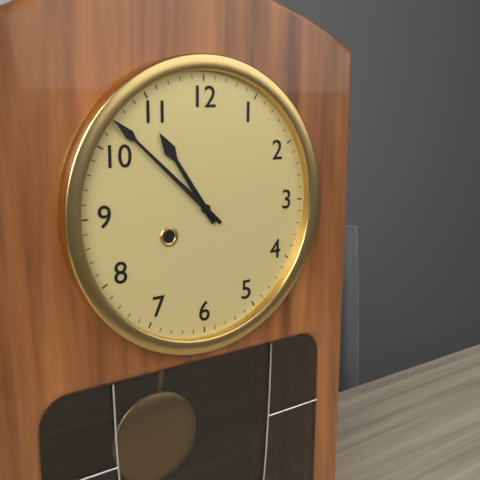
10:52
